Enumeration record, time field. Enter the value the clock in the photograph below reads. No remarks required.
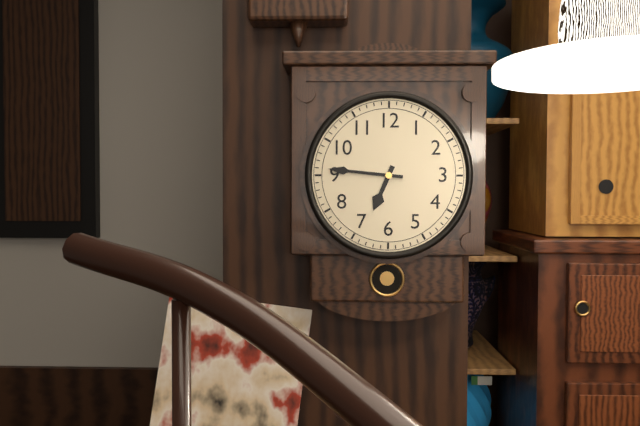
6:46
